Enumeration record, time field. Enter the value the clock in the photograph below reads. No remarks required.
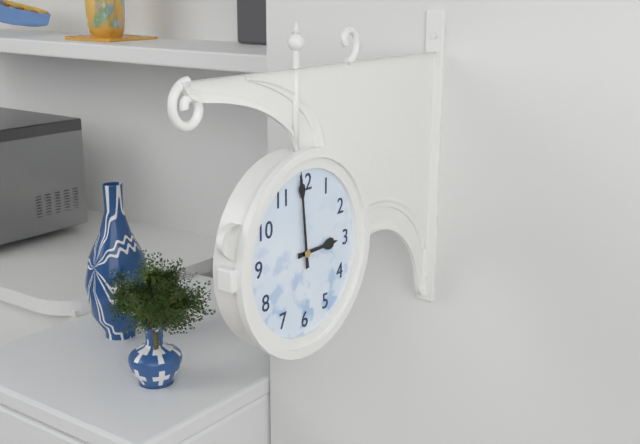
2:59
